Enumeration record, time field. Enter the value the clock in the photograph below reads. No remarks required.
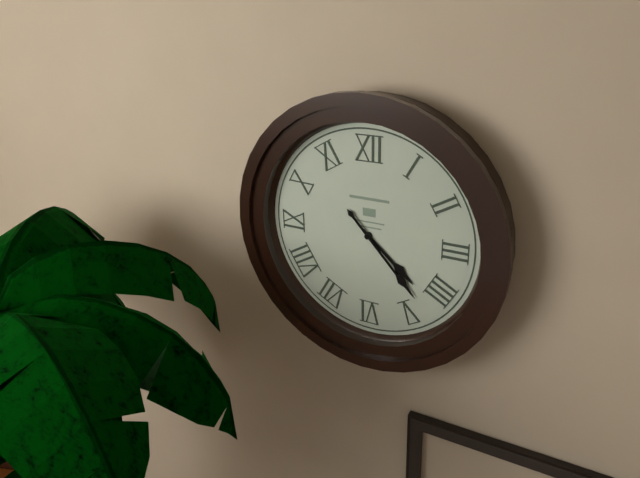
4:23
